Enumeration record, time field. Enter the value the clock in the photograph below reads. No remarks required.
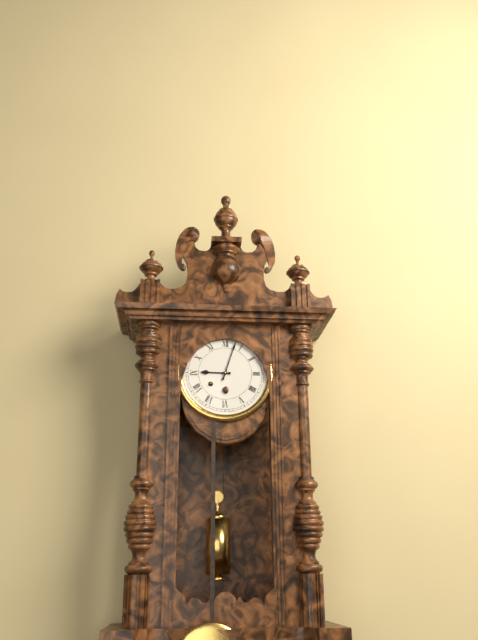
9:03
